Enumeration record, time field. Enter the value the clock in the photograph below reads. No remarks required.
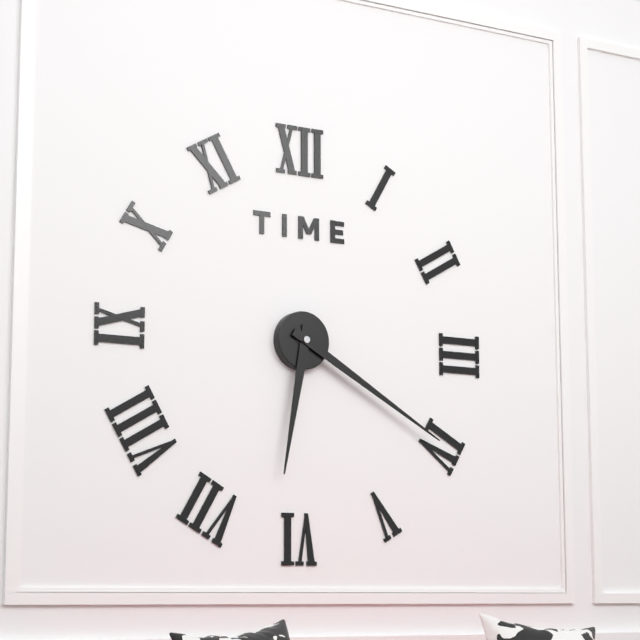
6:20
